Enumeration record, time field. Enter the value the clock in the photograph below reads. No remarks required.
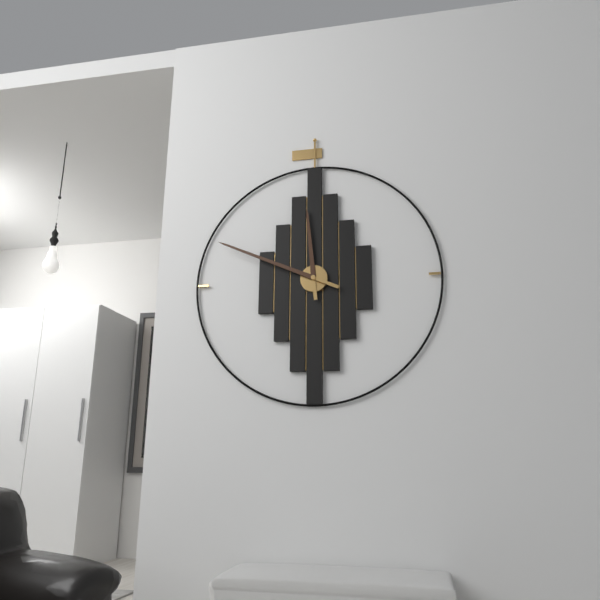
11:49
